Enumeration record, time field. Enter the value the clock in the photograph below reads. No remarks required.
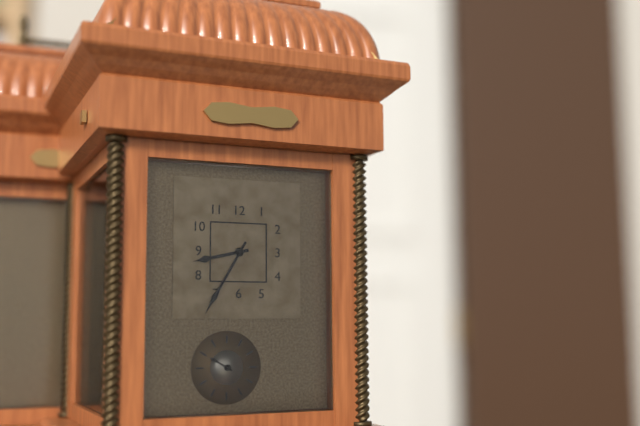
8:35
